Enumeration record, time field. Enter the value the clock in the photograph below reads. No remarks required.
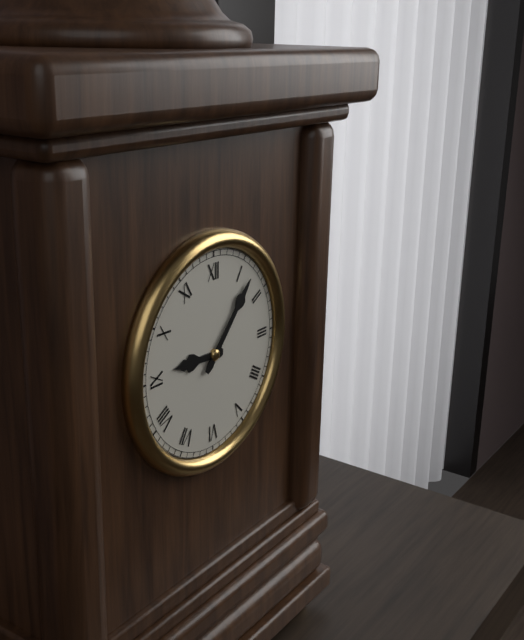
9:07
